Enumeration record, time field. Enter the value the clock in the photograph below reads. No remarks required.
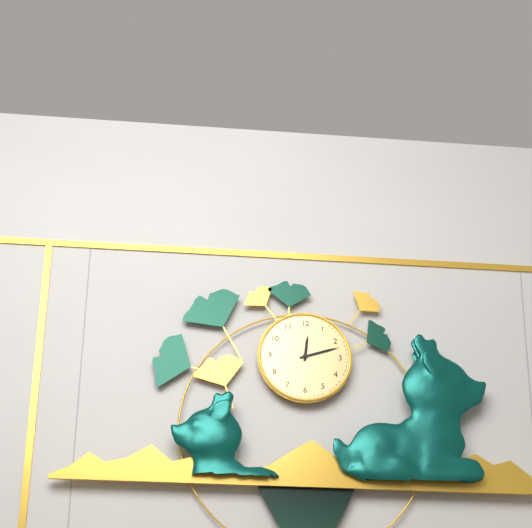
12:12
